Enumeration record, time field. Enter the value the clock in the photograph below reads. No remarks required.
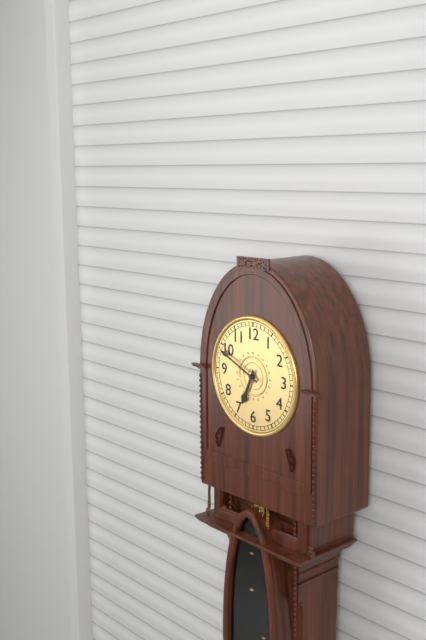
6:49
